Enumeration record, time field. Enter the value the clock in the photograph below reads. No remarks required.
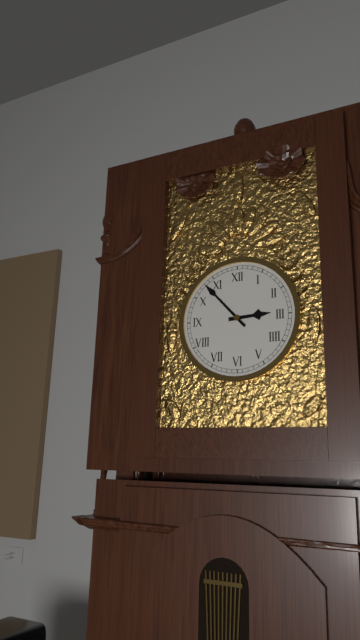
2:53
